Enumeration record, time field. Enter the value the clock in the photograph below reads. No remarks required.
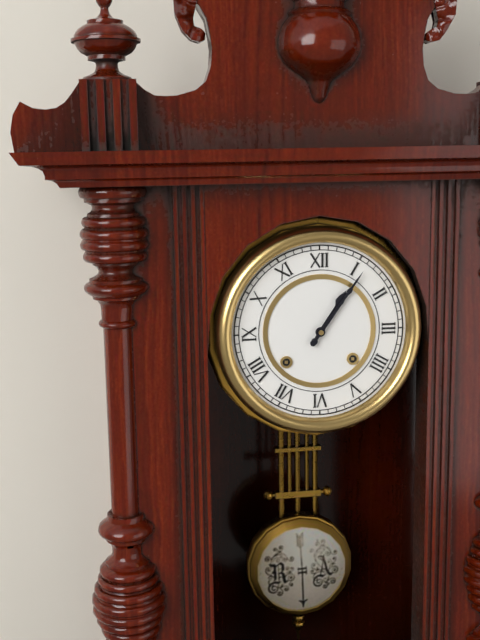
1:06
